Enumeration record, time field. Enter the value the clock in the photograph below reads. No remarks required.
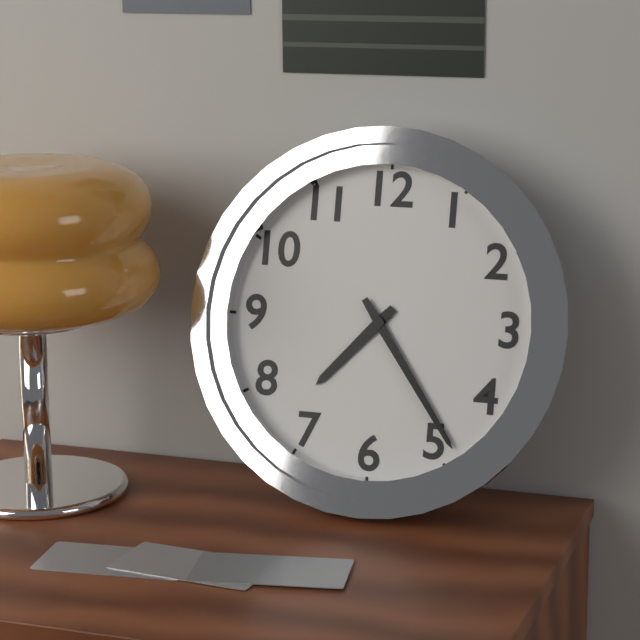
7:24
